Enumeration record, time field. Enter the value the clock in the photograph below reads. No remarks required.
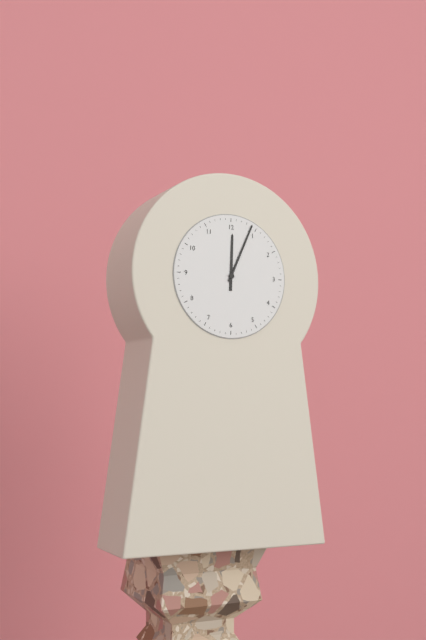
12:04
